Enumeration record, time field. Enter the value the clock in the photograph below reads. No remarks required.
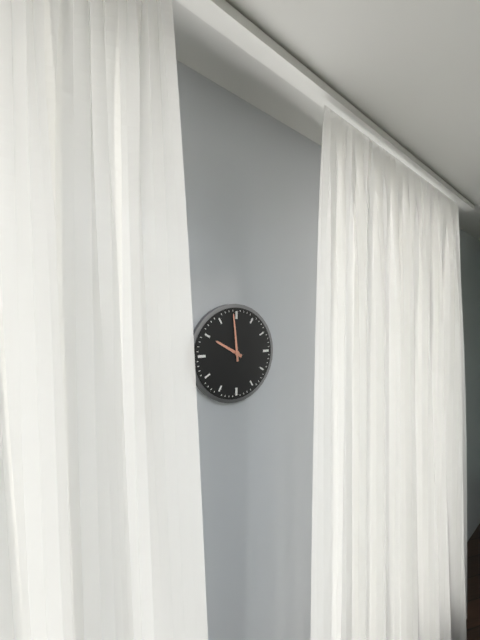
9:59
